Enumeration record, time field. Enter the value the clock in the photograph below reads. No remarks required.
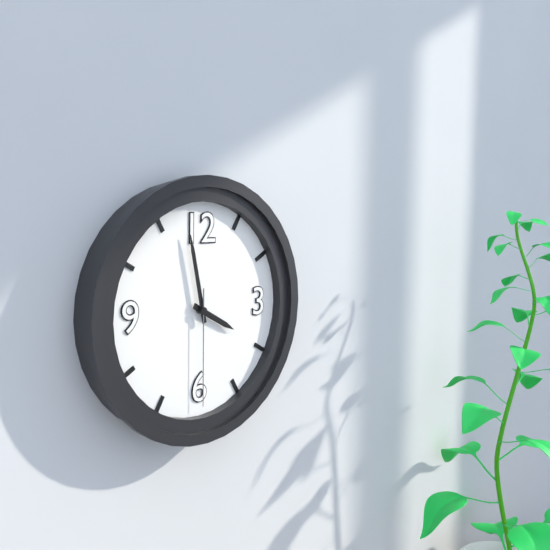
3:58:30
